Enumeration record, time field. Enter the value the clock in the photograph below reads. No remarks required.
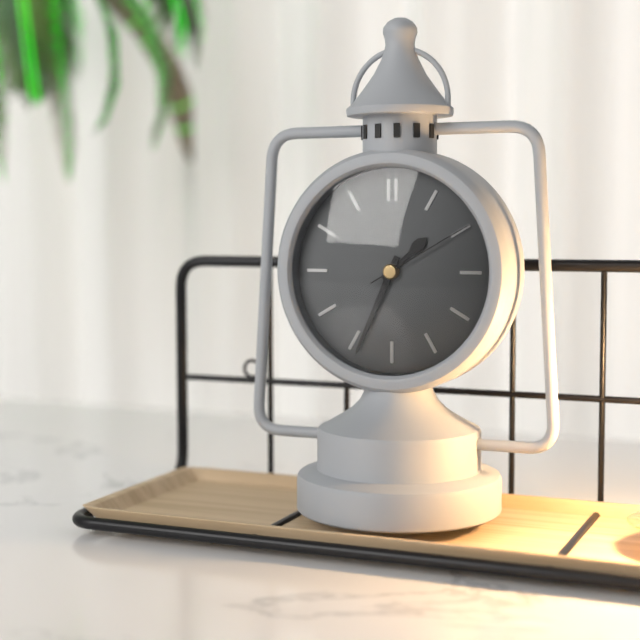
1:34:10
